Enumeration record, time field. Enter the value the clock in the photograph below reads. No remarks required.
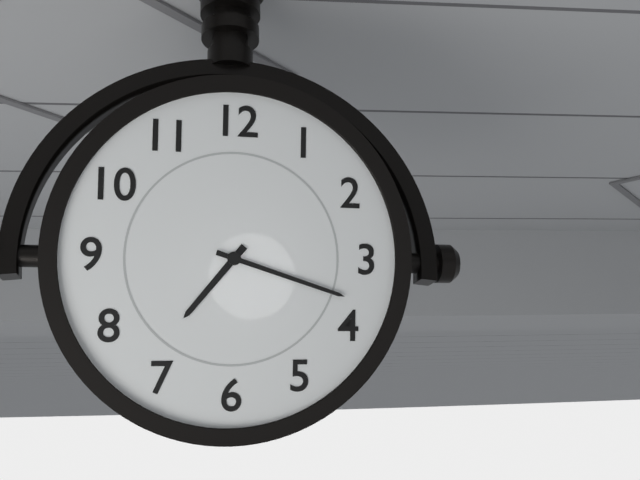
7:18
